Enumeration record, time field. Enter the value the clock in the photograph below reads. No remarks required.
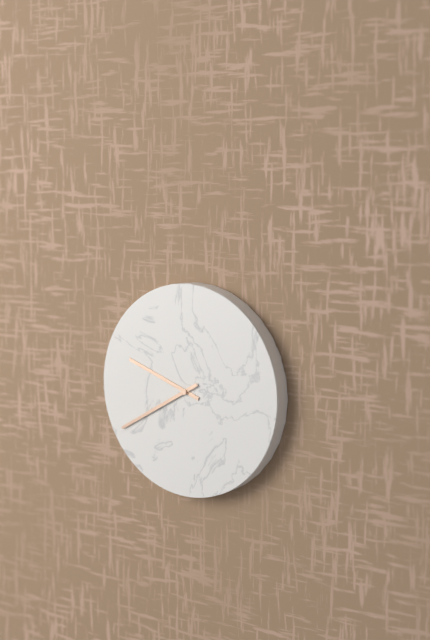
9:40
